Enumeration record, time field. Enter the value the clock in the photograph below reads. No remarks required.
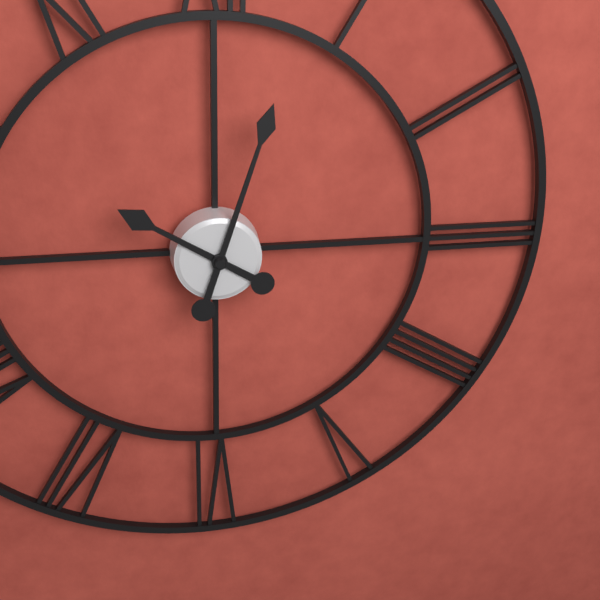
10:03
